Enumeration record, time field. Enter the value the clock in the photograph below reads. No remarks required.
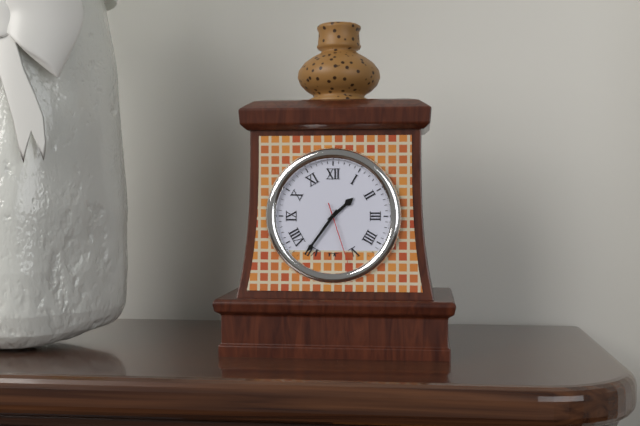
1:36:27
